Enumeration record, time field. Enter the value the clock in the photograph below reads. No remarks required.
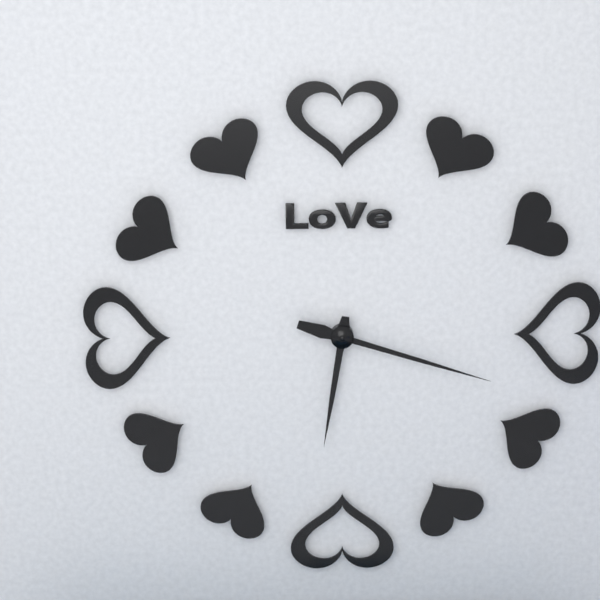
6:18
